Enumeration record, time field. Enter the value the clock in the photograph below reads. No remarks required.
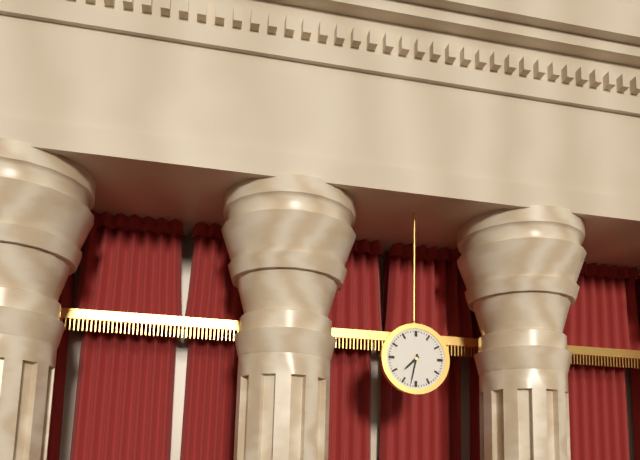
7:32
